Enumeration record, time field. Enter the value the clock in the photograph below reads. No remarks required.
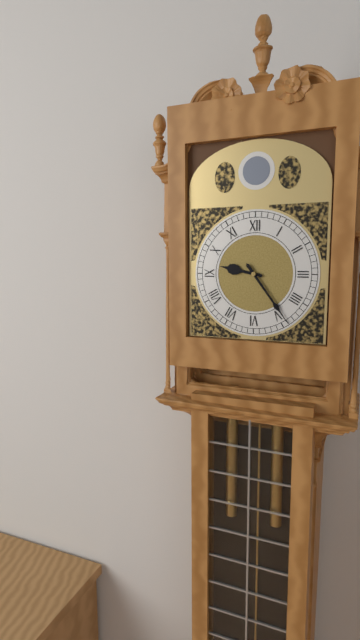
9:24
